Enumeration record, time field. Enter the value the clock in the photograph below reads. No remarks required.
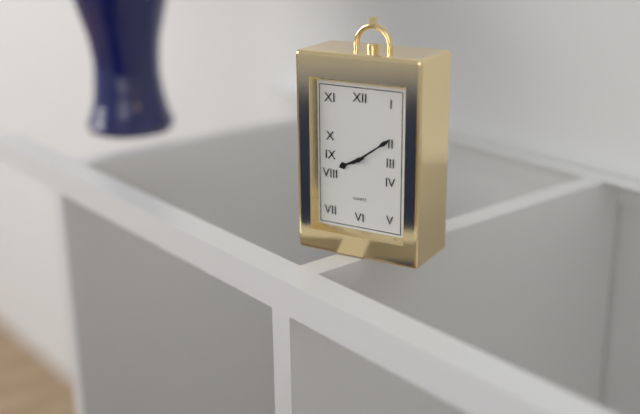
8:09
